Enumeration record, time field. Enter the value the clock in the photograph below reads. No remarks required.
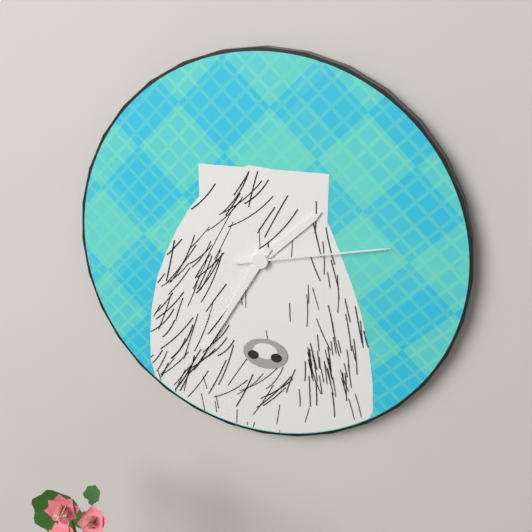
1:35:13
